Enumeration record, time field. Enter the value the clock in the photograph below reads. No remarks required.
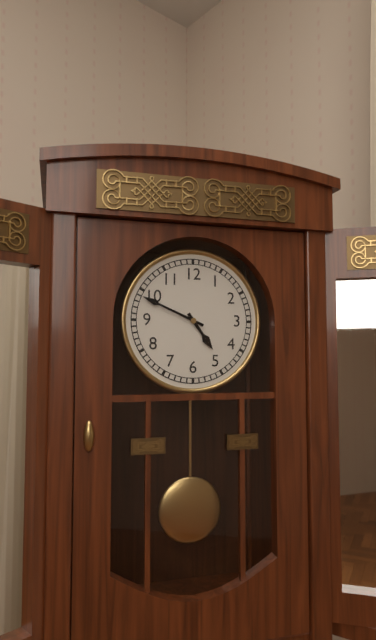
4:49
